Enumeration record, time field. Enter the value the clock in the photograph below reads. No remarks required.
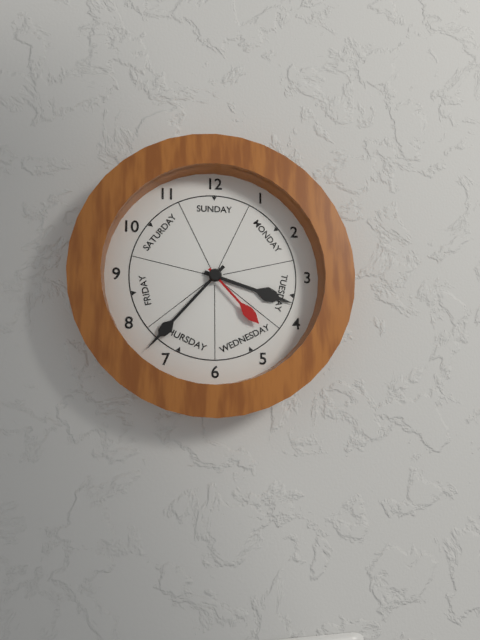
3:37:23
